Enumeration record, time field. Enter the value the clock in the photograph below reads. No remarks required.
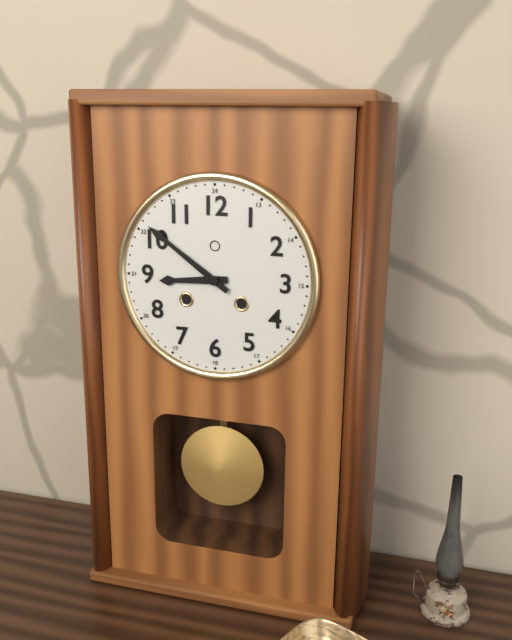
8:51
